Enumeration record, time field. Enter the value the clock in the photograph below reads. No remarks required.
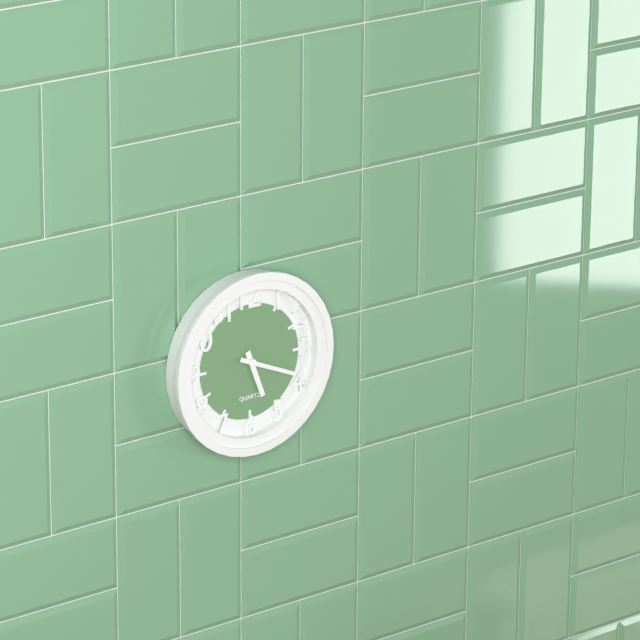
5:19
